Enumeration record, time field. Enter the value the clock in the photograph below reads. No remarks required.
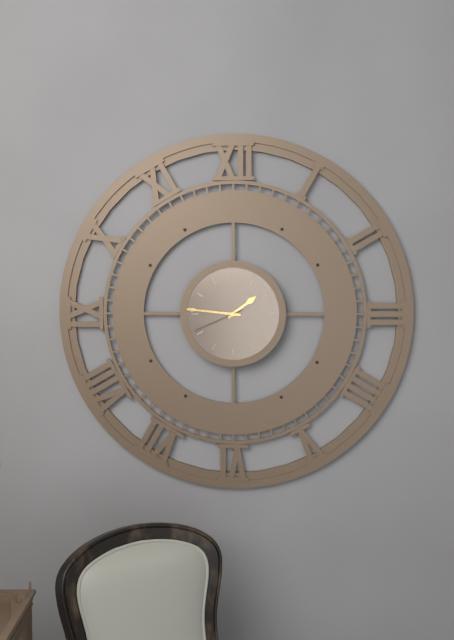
1:46:41
